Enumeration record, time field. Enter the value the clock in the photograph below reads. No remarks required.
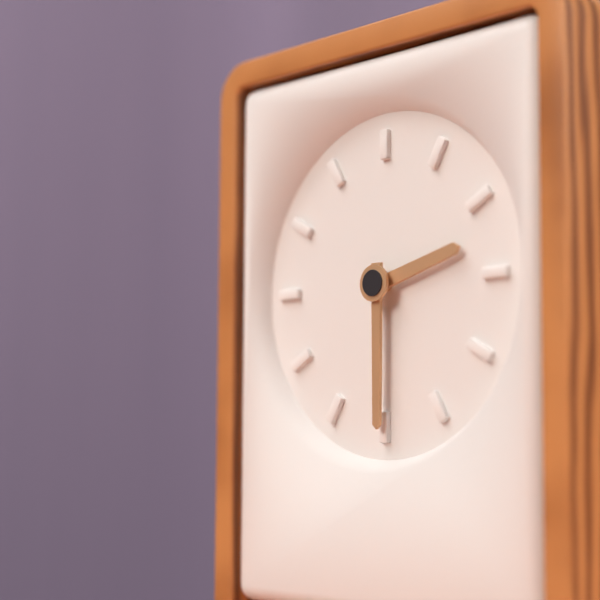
2:30
